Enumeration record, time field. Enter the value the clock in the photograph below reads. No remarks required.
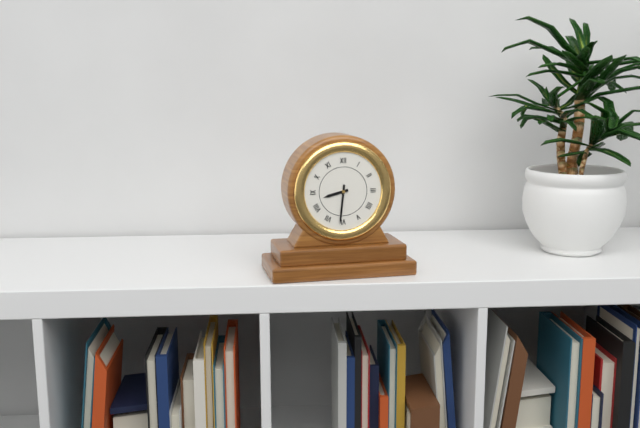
8:31
